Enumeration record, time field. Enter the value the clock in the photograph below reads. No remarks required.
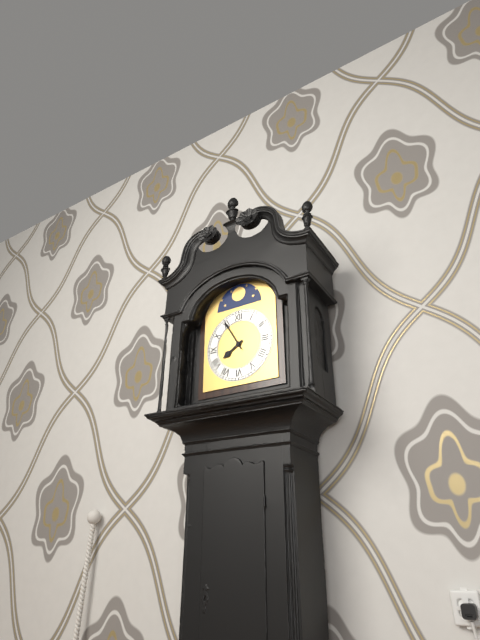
7:55
